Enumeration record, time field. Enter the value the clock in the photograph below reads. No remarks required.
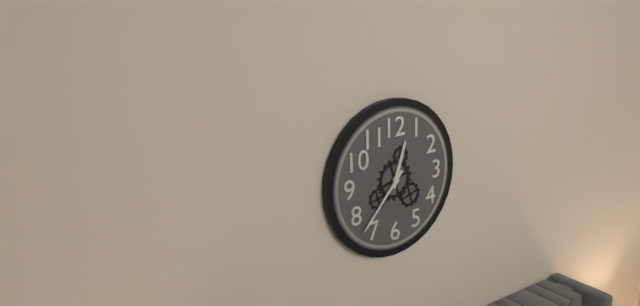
12:37
